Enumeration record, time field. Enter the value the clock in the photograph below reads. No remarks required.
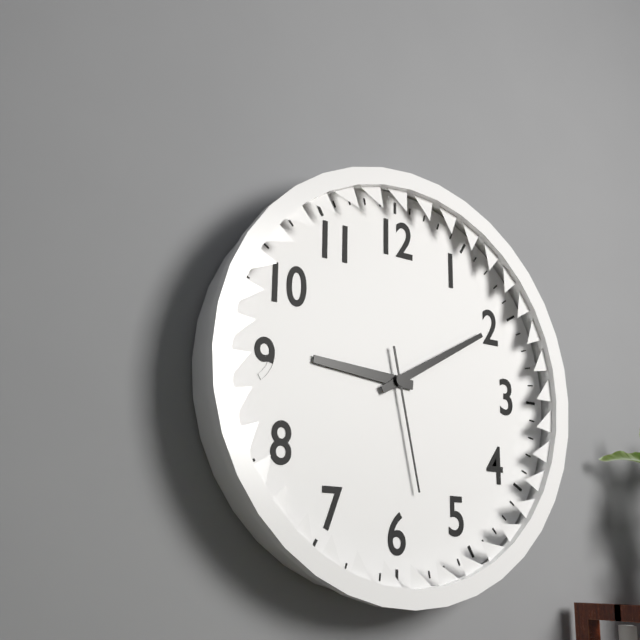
9:10:28
